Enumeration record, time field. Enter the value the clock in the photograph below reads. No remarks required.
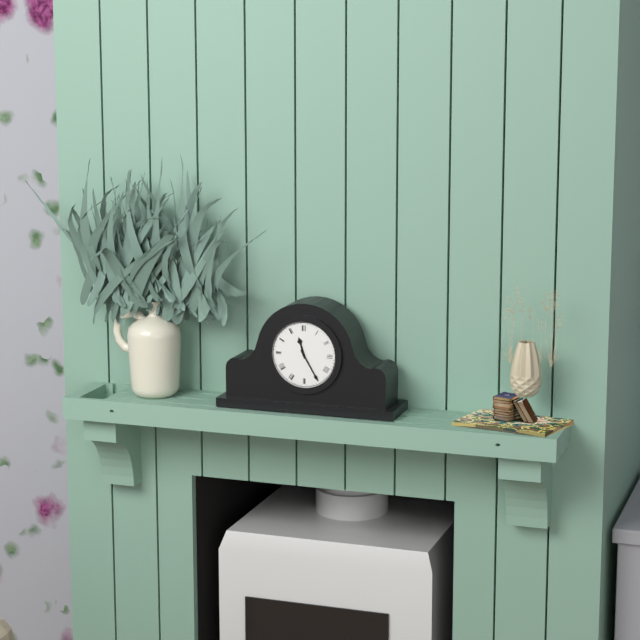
11:25
